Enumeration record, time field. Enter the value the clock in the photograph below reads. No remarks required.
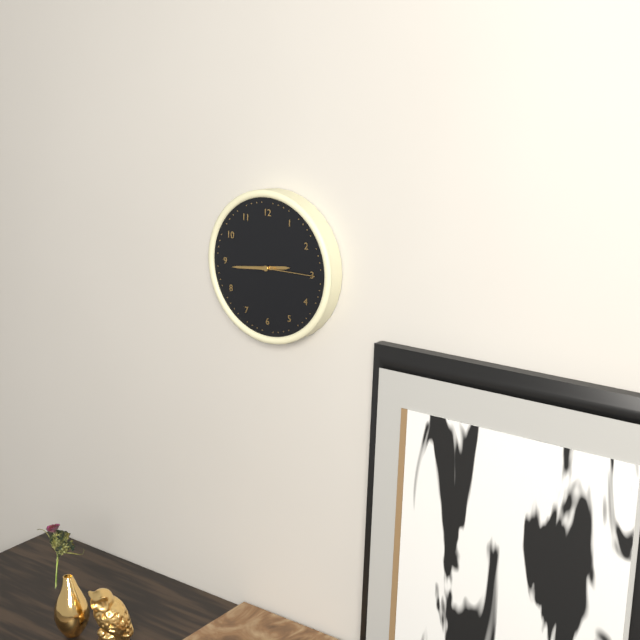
2:44:15
